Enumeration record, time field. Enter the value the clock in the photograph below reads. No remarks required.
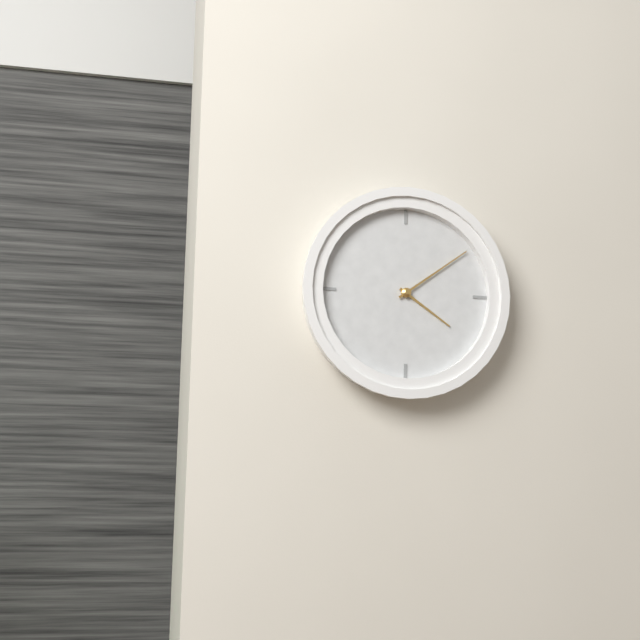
4:09
